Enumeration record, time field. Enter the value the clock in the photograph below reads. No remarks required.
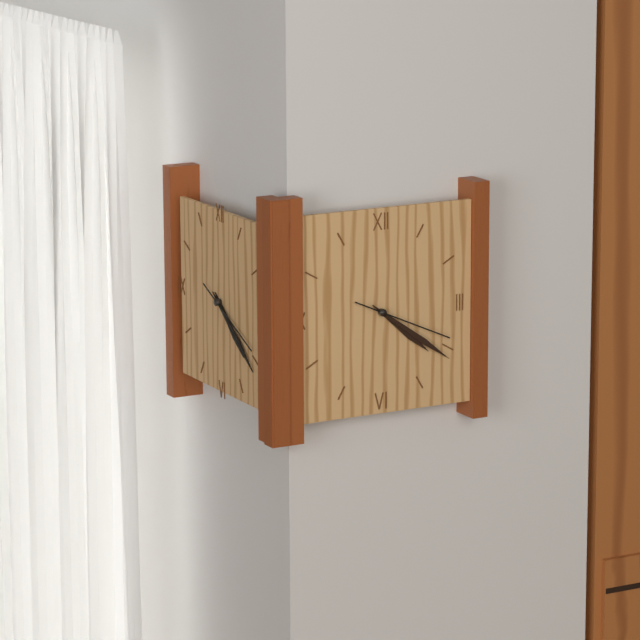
4:21:19
